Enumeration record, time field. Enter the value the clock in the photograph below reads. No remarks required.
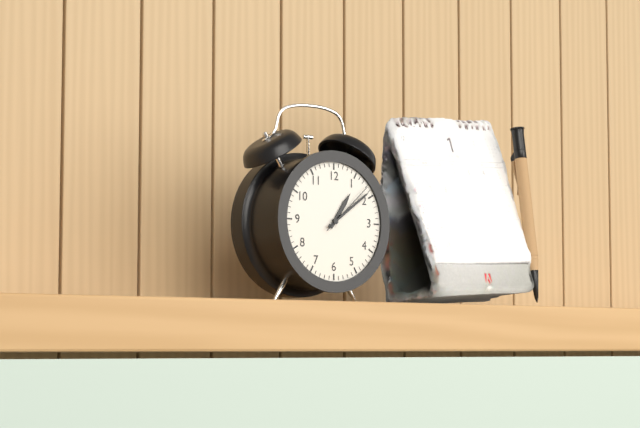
1:09:08
